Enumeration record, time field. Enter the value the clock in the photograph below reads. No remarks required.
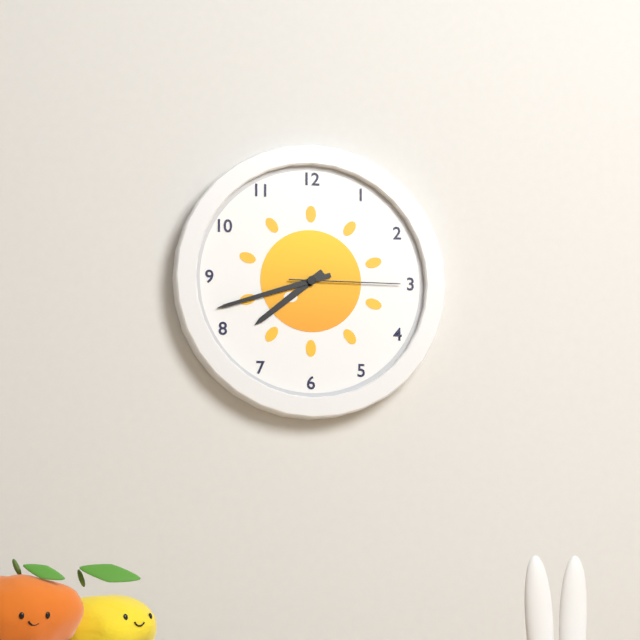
7:42:15
